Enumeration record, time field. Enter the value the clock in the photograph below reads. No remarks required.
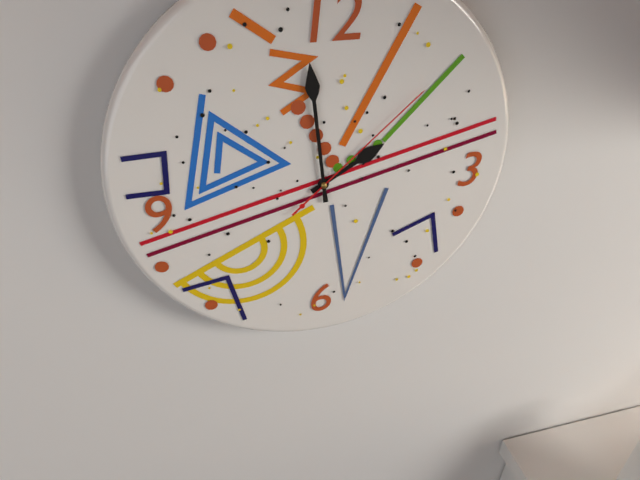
1:59:08
